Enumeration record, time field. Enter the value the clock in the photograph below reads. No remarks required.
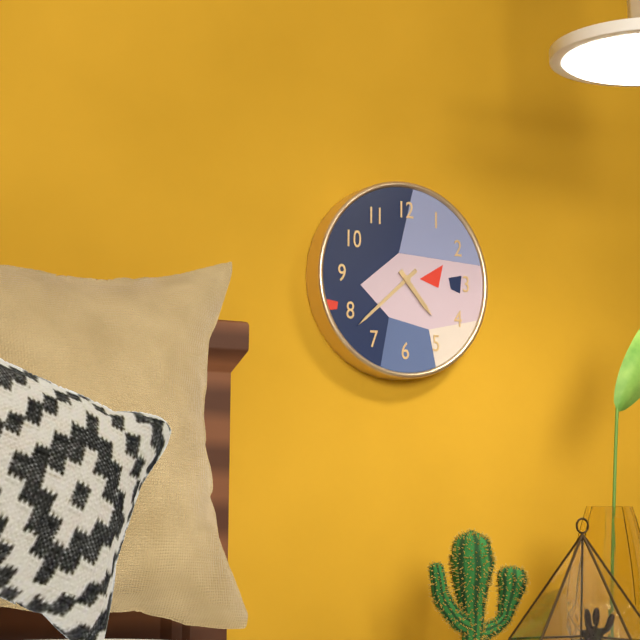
4:38
